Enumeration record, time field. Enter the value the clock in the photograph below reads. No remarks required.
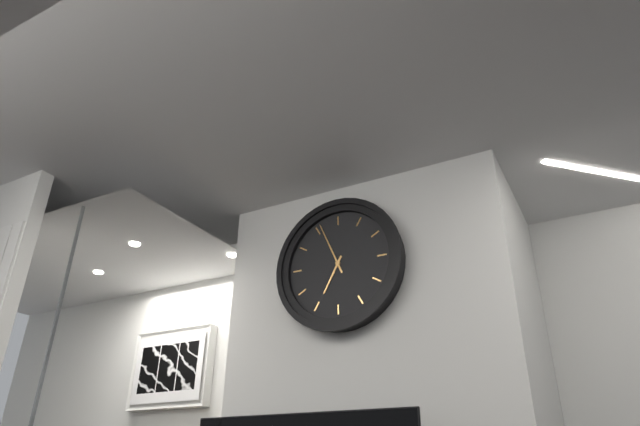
6:56
